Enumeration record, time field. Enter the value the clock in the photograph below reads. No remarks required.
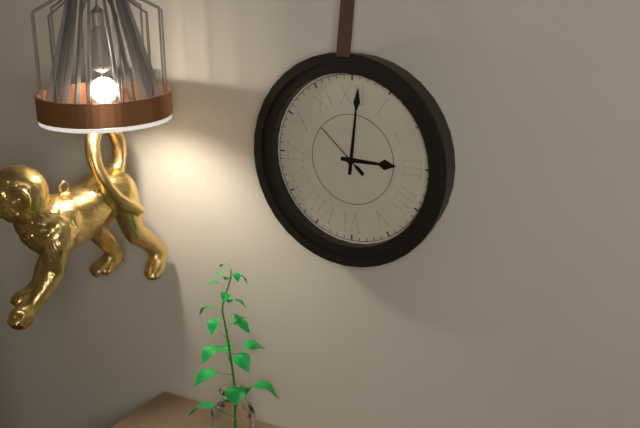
3:01:52
